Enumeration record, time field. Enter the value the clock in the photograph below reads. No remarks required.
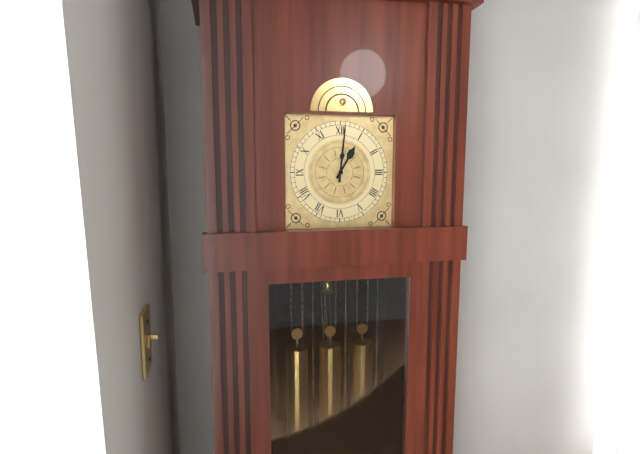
1:01
